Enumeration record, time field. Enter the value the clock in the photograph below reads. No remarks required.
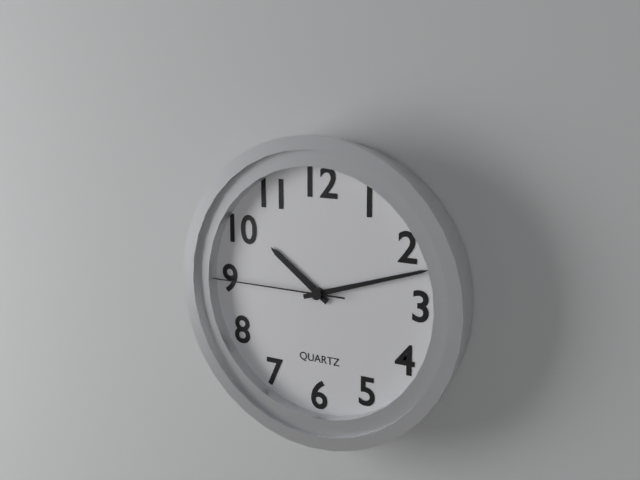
10:12:45
